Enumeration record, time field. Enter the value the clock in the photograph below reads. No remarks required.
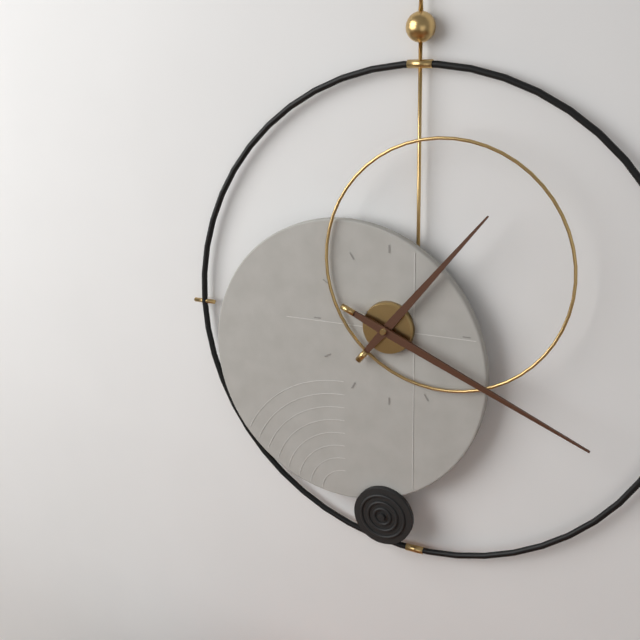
1:19
